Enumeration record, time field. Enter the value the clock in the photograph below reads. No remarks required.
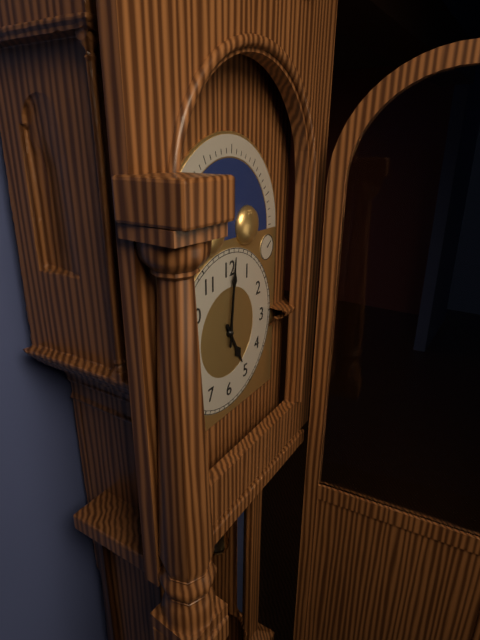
5:01
